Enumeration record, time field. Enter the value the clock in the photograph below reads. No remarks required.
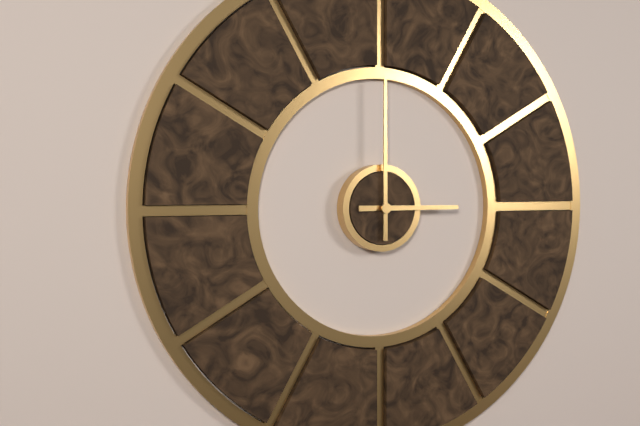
3:00
